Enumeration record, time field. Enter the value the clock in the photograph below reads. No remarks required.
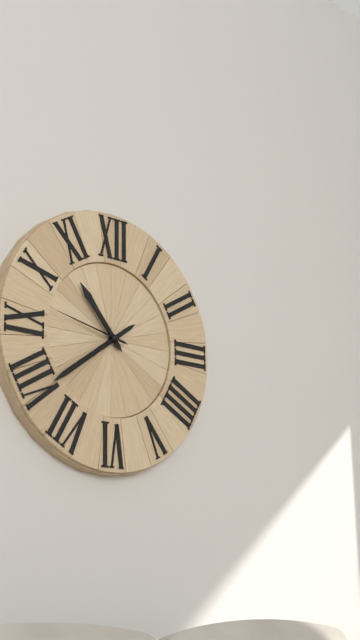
10:39:47
